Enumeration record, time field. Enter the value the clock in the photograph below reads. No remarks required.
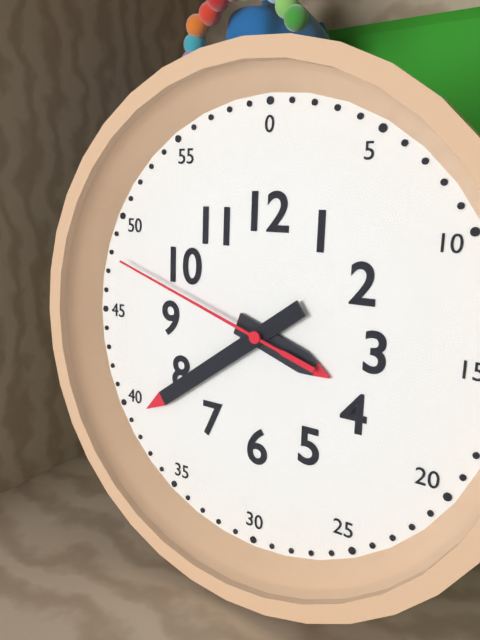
3:39:48
